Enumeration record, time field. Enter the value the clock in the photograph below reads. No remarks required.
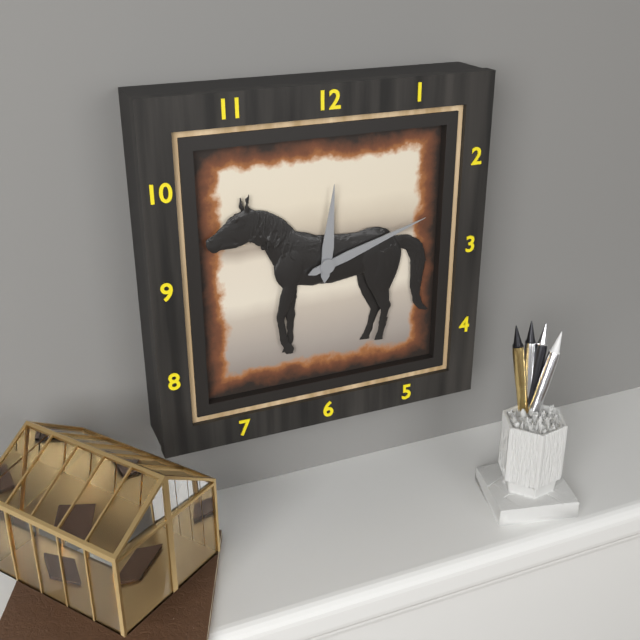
12:12
